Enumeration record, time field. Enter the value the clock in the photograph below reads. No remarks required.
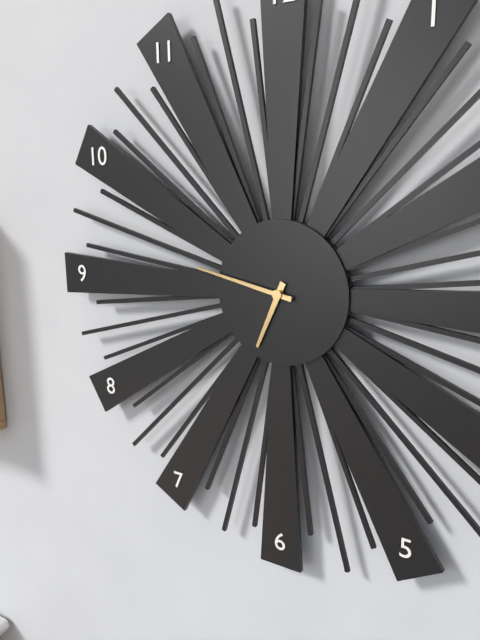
6:47
